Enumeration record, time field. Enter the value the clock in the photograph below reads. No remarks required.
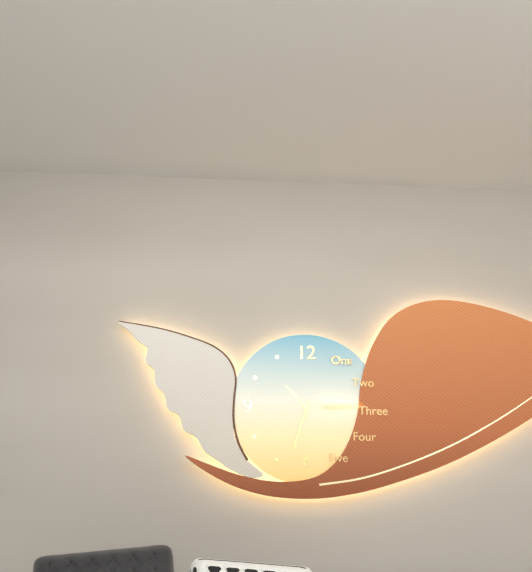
10:33
